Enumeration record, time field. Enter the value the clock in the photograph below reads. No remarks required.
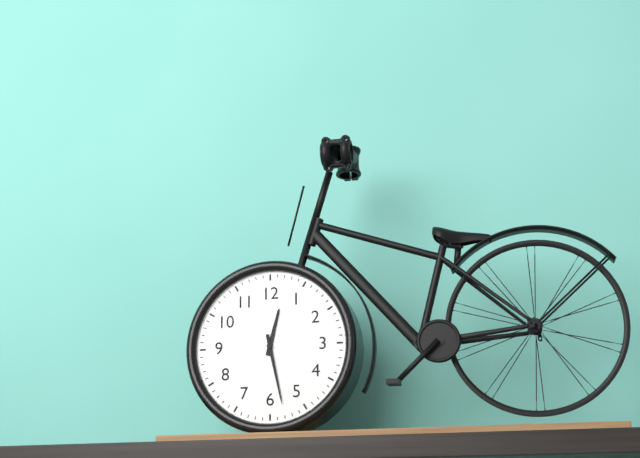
12:28
